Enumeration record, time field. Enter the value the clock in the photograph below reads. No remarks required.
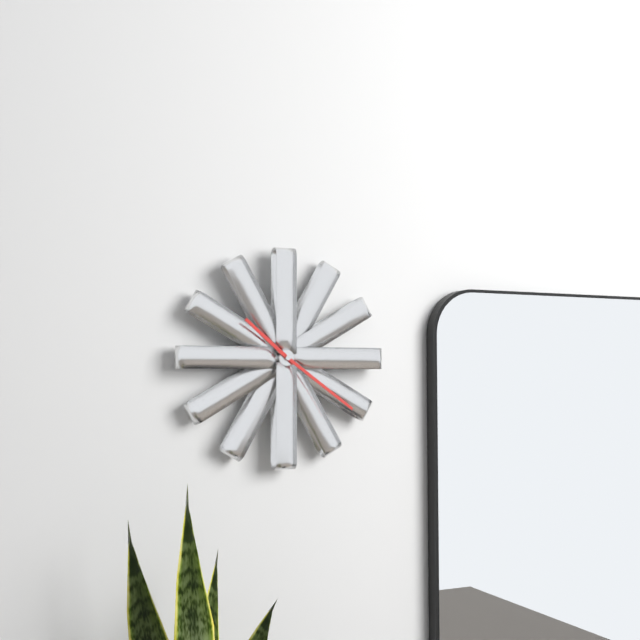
10:21
